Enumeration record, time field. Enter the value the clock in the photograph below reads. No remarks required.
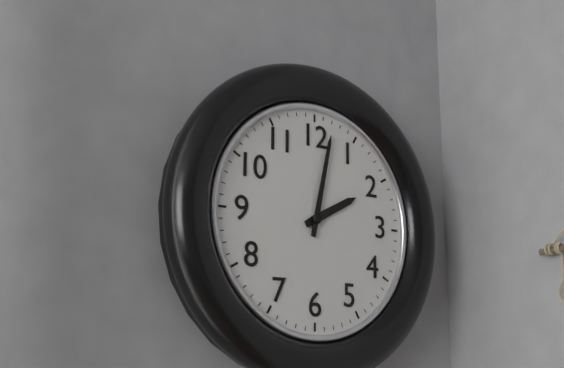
2:02
